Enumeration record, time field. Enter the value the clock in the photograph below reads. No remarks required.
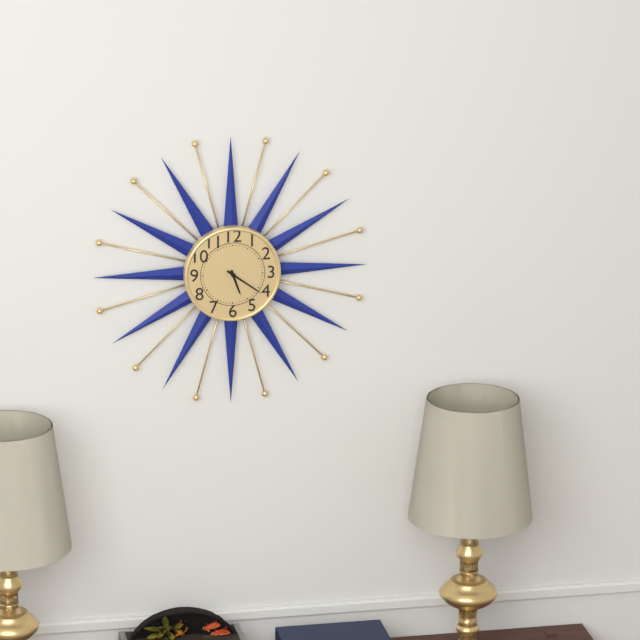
5:21
